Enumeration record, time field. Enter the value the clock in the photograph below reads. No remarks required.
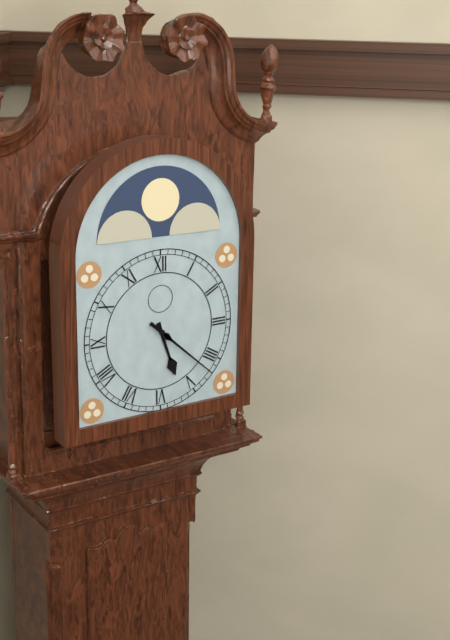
5:22
